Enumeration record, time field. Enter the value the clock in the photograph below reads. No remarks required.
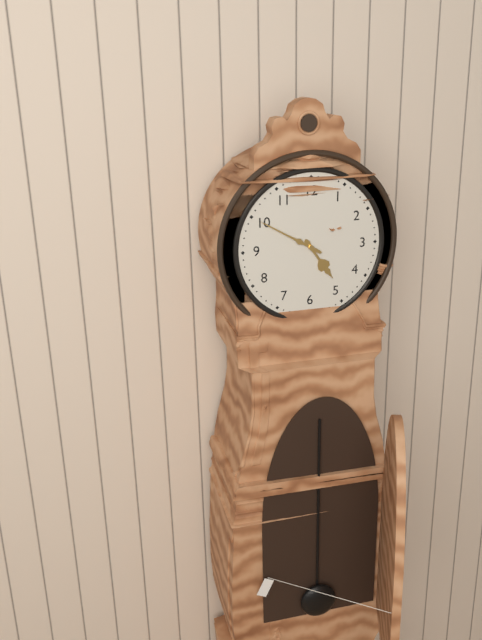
4:50
